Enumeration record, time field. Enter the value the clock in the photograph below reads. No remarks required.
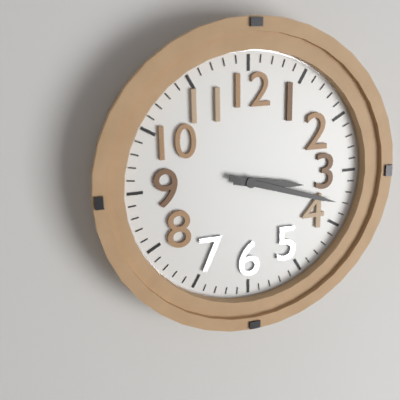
3:18
